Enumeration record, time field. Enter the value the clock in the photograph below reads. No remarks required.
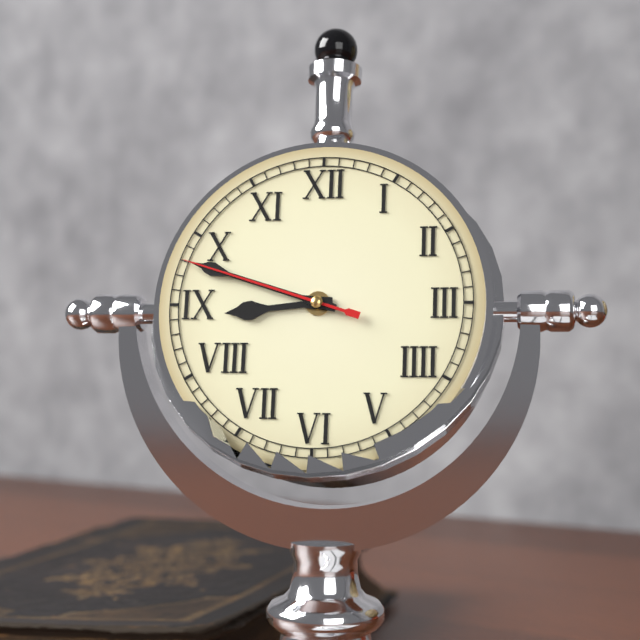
8:48:48
